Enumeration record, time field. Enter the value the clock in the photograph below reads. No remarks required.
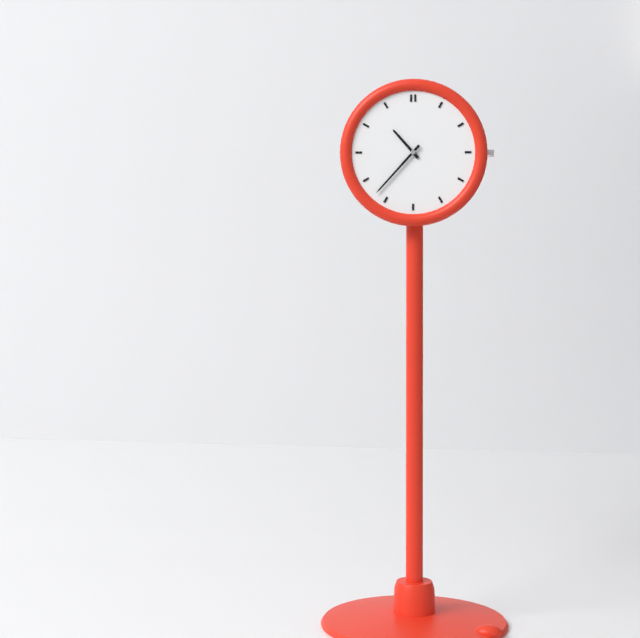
10:37
